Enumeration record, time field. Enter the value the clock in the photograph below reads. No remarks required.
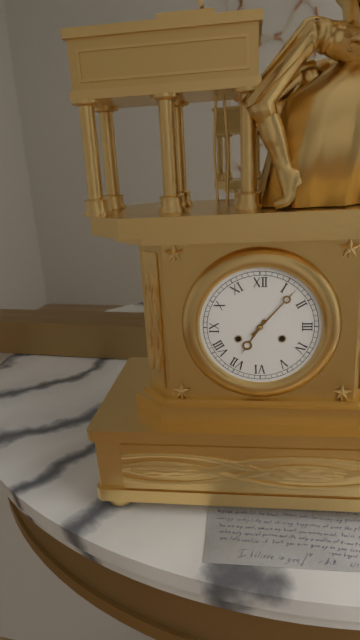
7:07
